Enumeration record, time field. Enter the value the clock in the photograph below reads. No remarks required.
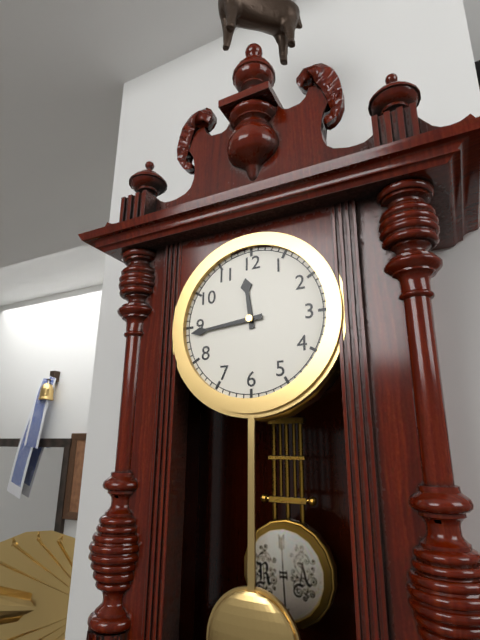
11:44
